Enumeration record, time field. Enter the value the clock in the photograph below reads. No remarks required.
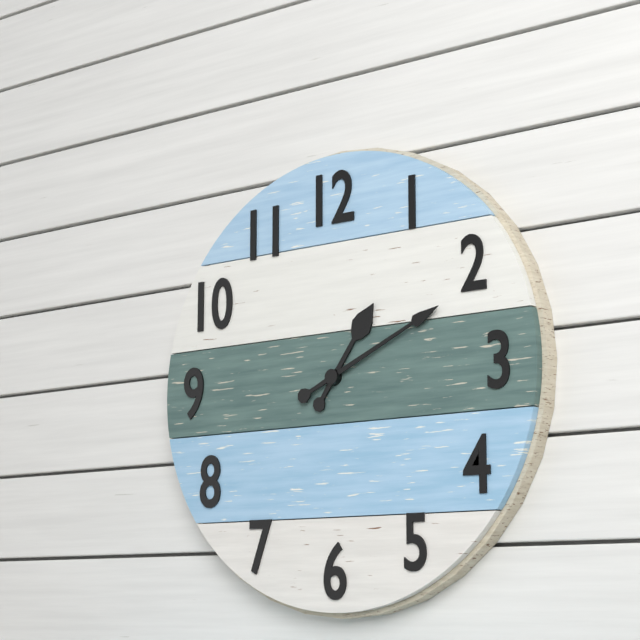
1:11
